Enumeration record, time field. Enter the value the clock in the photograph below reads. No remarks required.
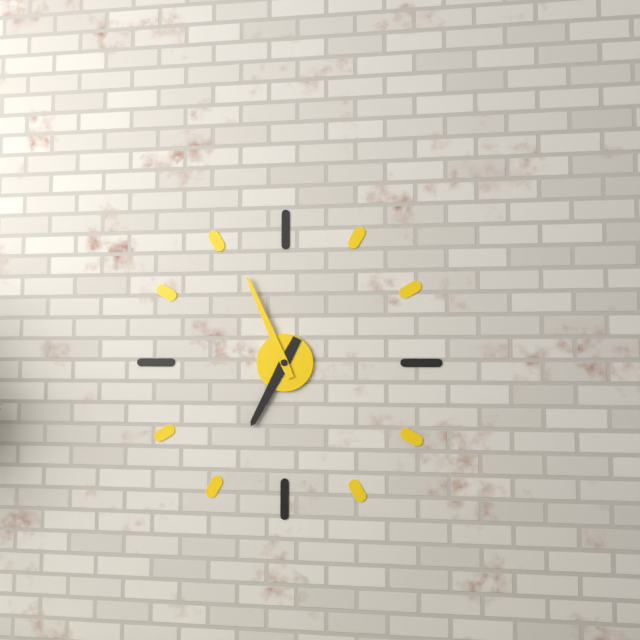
6:56
